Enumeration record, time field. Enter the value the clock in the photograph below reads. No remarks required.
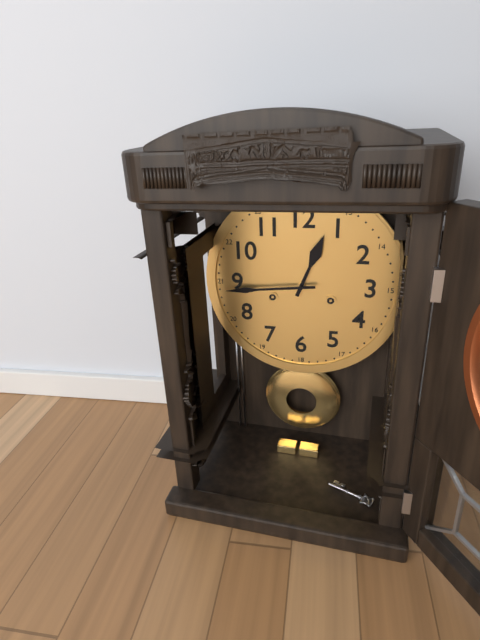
12:44
